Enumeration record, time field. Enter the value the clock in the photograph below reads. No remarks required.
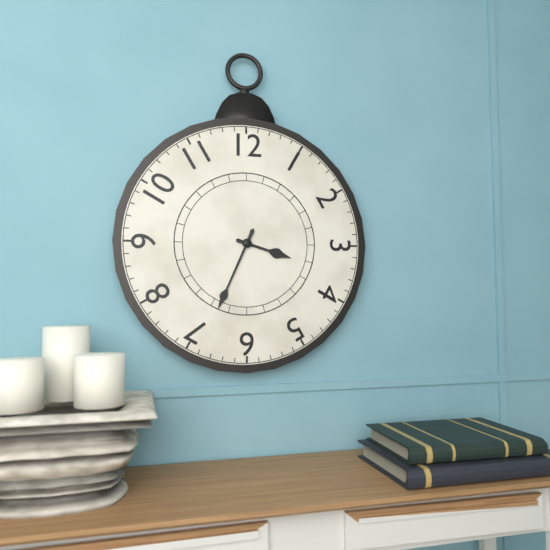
3:34
